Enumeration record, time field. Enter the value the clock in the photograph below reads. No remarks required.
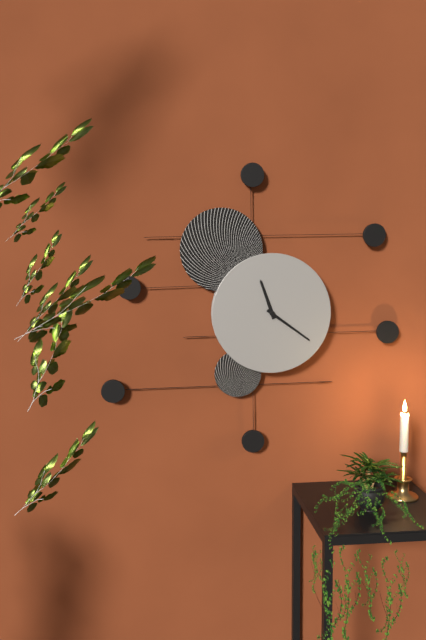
11:21
